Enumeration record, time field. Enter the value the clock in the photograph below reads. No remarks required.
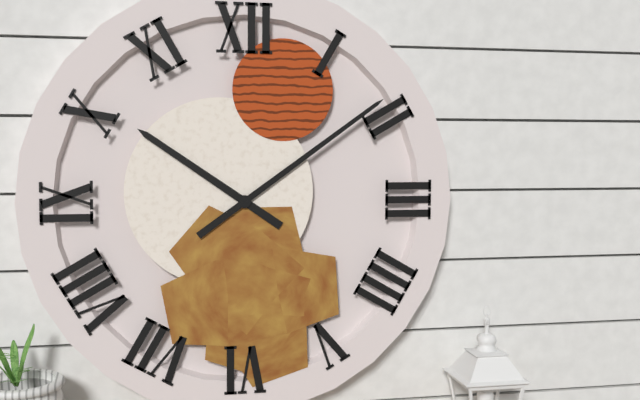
10:09
